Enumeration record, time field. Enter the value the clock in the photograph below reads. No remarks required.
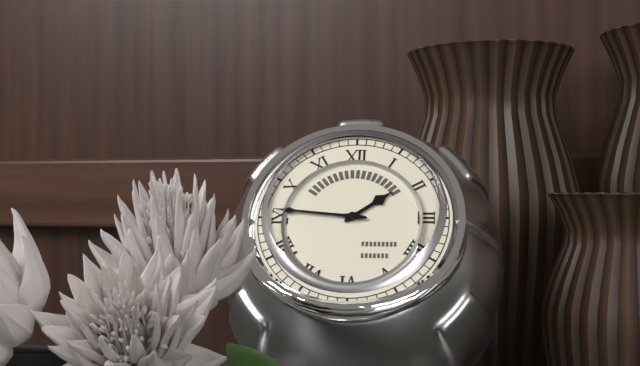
1:46
